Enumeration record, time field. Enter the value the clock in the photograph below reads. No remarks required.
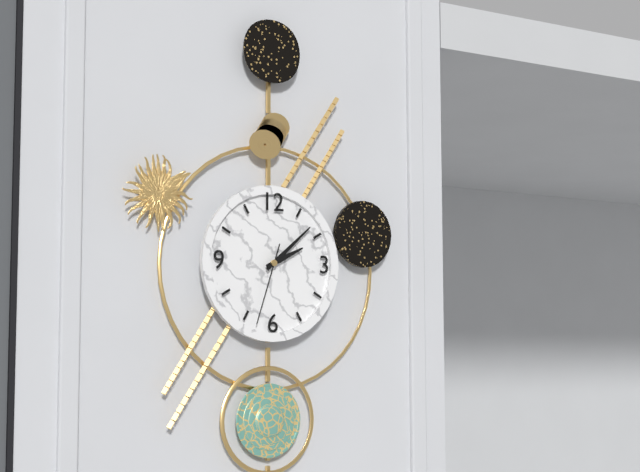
2:08:33
